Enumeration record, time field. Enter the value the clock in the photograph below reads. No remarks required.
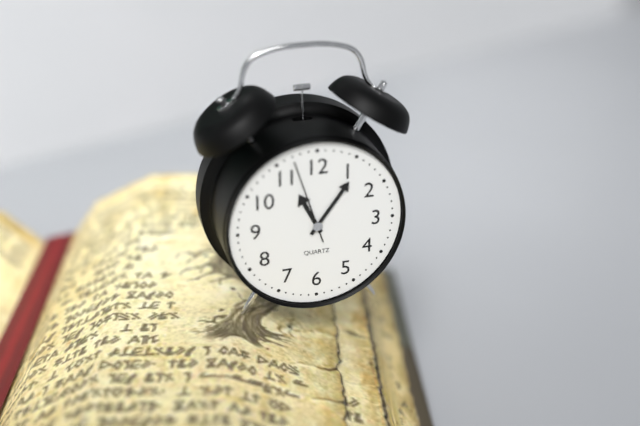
11:06:57
